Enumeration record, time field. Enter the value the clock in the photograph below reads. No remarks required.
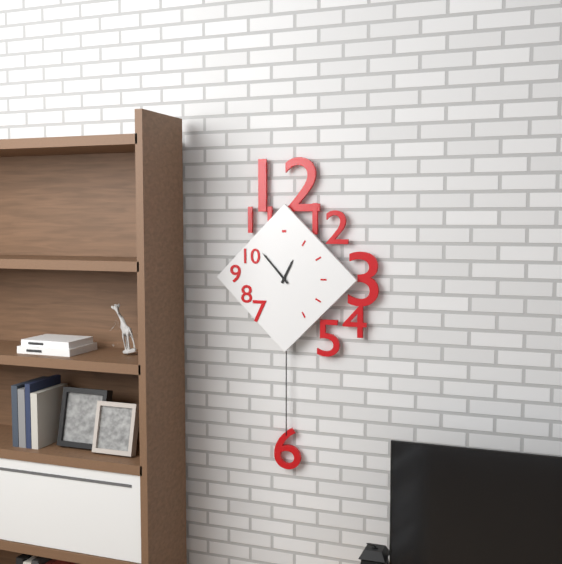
12:53
